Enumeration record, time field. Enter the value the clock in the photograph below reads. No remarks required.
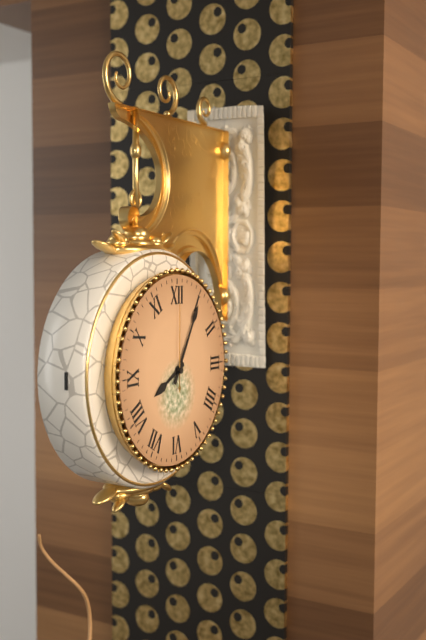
8:05:00
